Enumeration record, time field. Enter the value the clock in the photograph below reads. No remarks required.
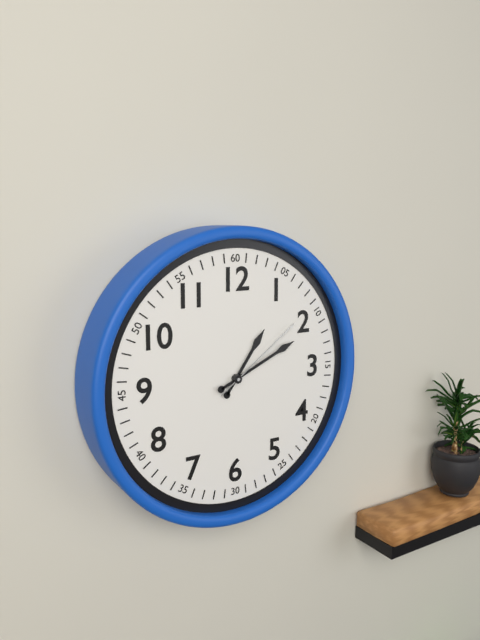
1:11:09
